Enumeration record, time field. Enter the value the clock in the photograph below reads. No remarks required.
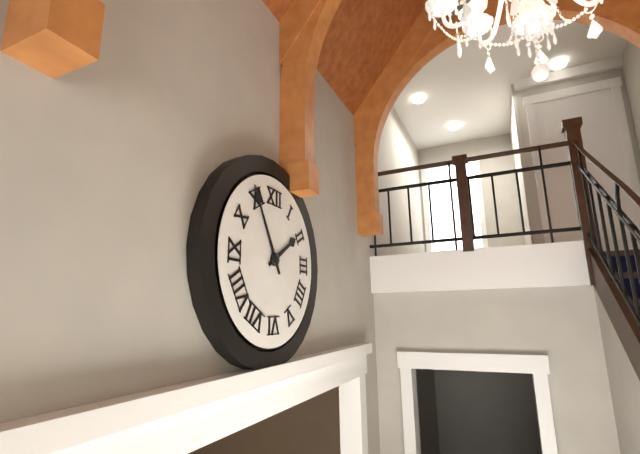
1:55
